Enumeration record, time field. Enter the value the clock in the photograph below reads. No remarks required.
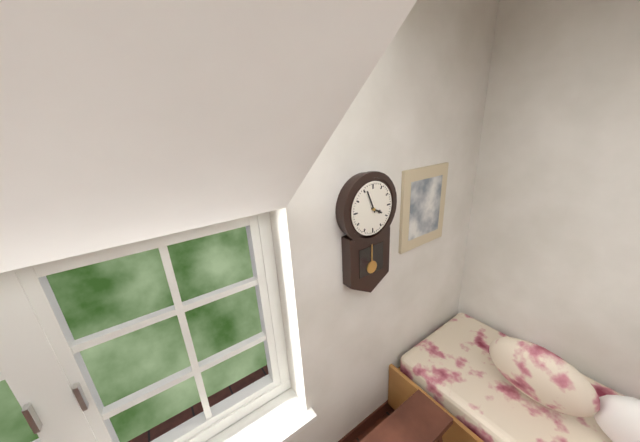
3:56
